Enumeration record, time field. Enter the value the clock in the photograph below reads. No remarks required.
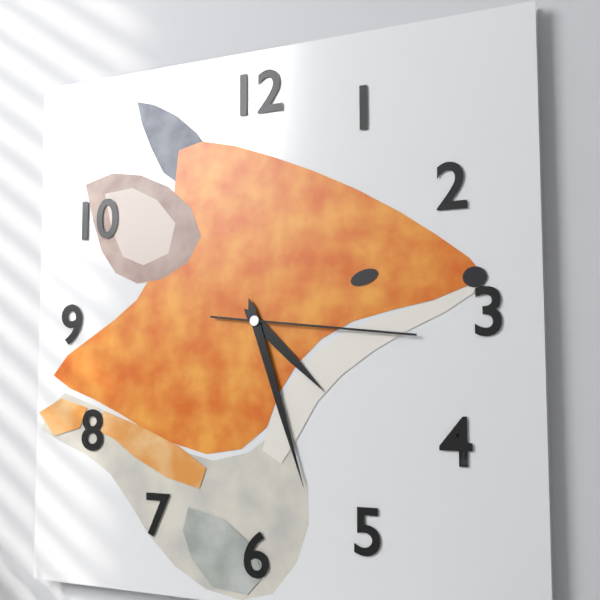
4:27:16
